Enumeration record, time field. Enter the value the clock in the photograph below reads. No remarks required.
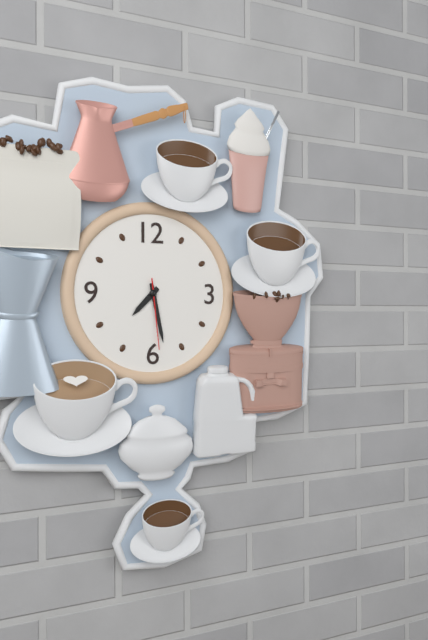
7:28:29
